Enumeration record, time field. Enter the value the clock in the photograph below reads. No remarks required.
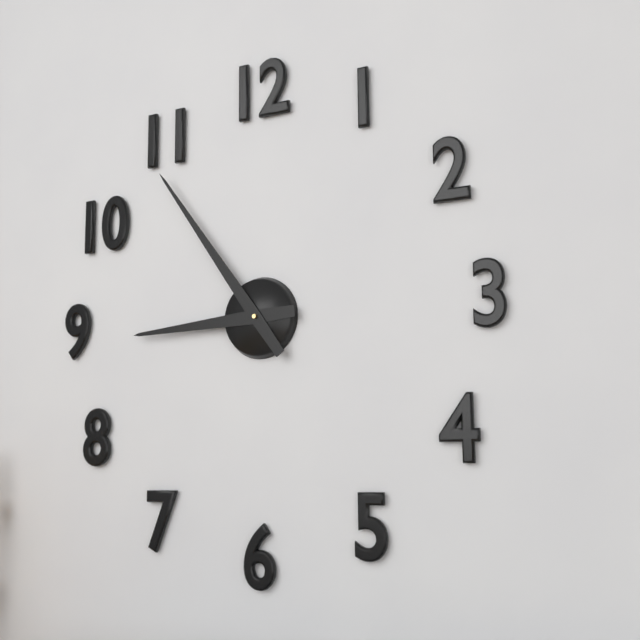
8:54
